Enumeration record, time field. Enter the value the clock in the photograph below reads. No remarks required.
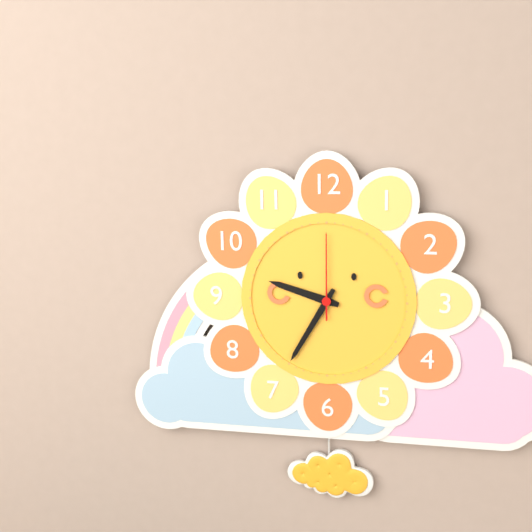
9:35:00
